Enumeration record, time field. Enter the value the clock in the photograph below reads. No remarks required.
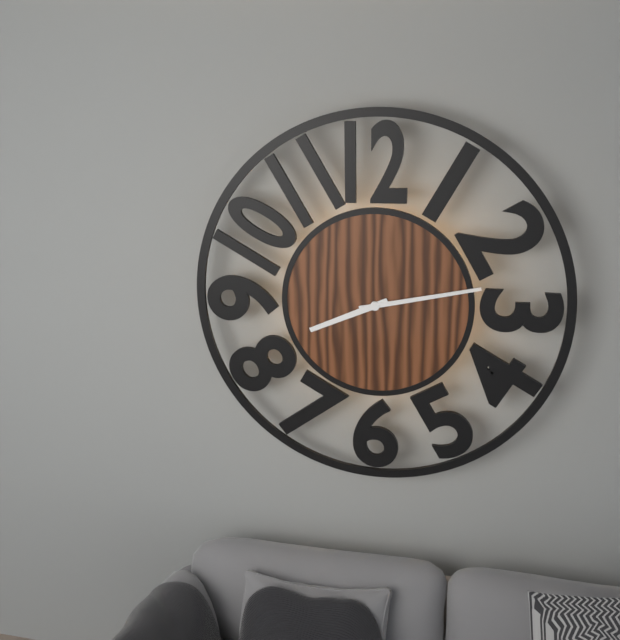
8:13
